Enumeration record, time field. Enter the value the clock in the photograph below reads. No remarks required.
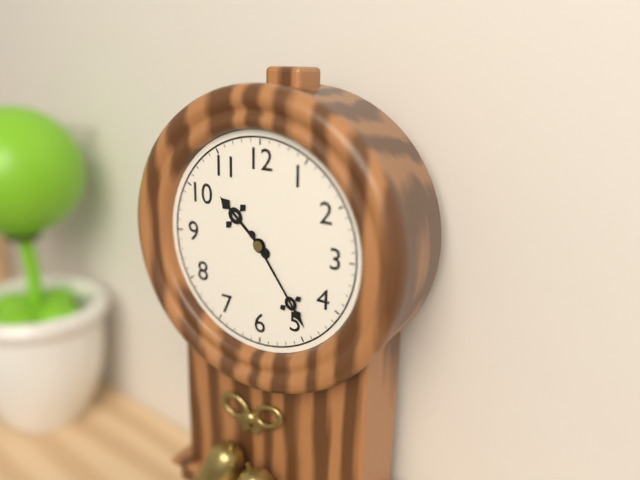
10:24
